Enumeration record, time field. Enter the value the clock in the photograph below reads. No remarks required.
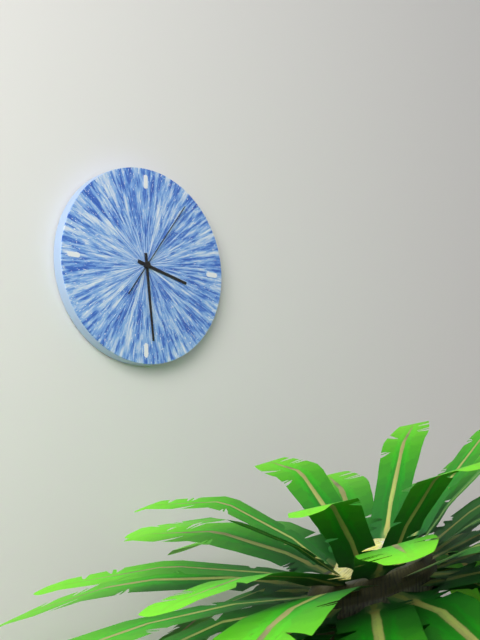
3:29:06
